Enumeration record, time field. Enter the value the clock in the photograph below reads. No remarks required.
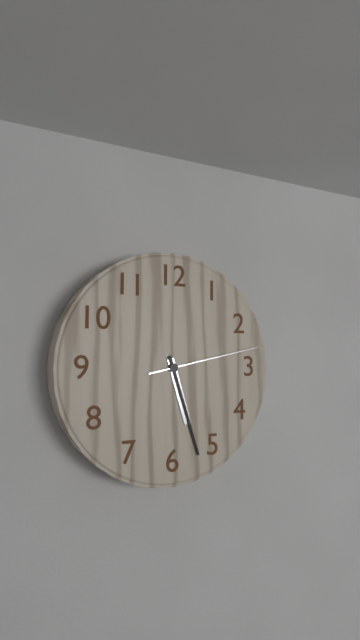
5:27:13
